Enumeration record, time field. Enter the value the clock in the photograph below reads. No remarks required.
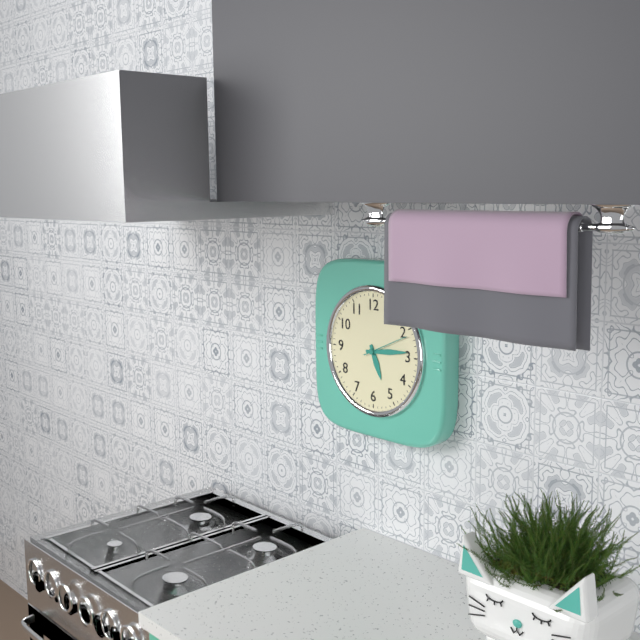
5:14
